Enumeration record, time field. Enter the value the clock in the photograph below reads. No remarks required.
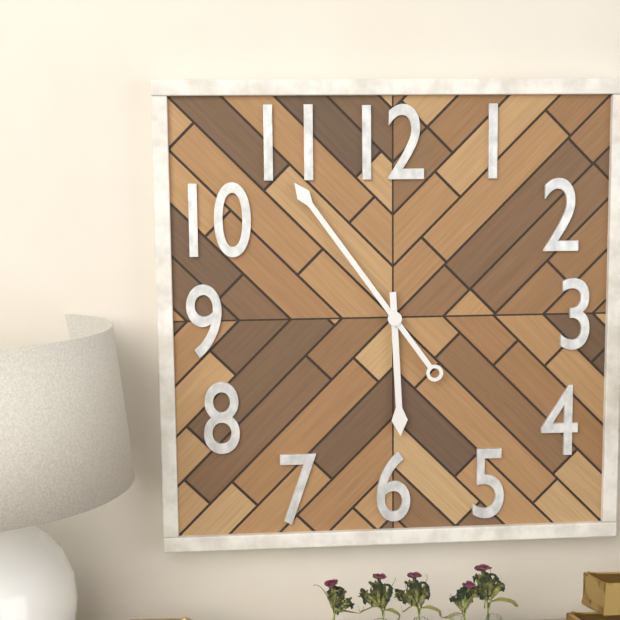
5:54
